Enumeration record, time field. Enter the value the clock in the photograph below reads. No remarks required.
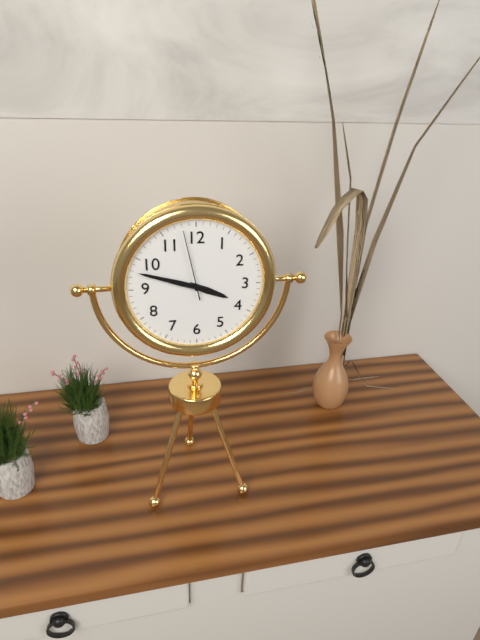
3:48:58
